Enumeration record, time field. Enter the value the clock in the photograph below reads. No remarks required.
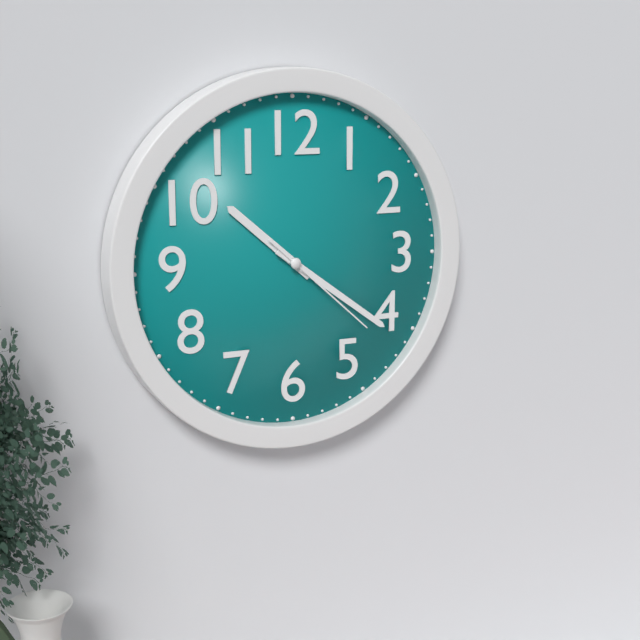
10:21:22
